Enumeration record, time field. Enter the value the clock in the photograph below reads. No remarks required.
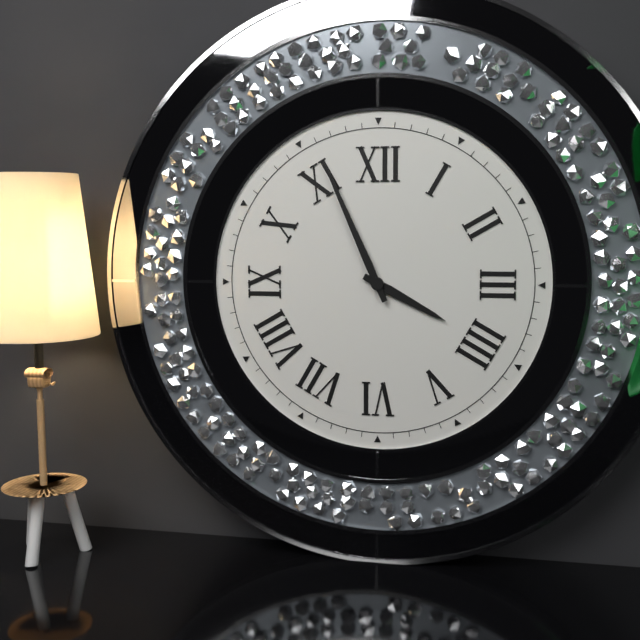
3:56
